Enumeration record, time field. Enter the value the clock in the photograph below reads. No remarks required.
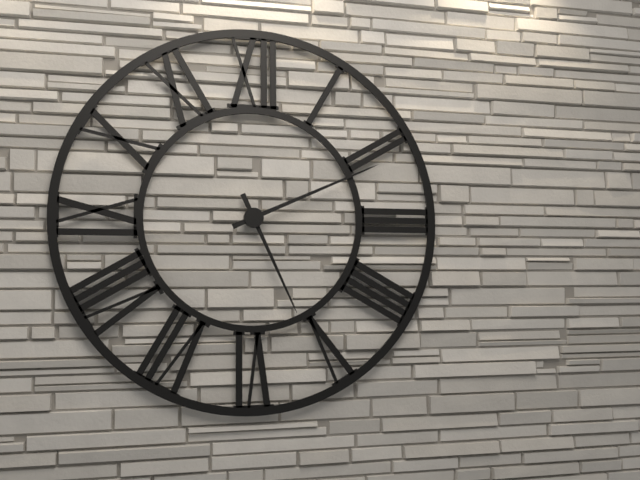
5:11
